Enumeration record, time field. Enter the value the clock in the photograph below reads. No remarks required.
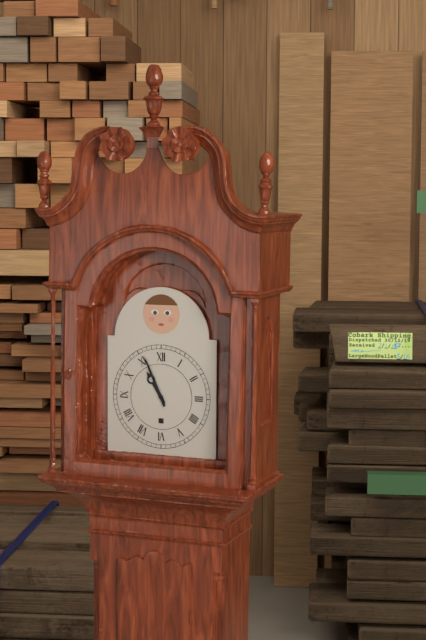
10:56
